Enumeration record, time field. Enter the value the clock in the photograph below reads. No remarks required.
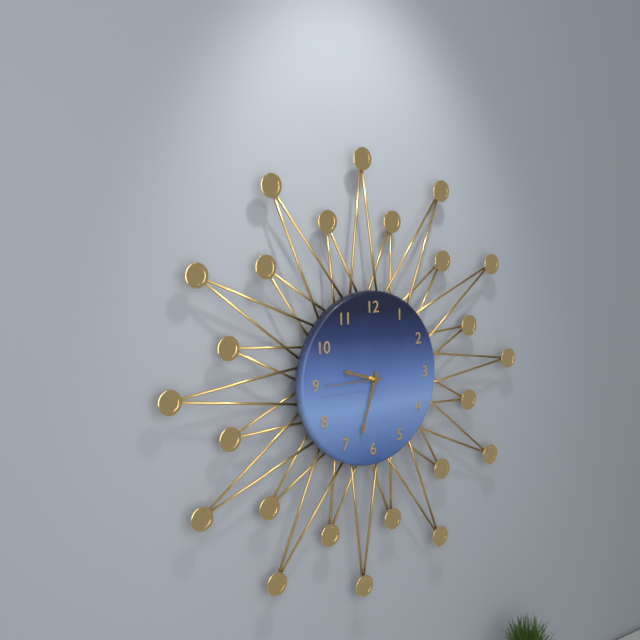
9:33:45
